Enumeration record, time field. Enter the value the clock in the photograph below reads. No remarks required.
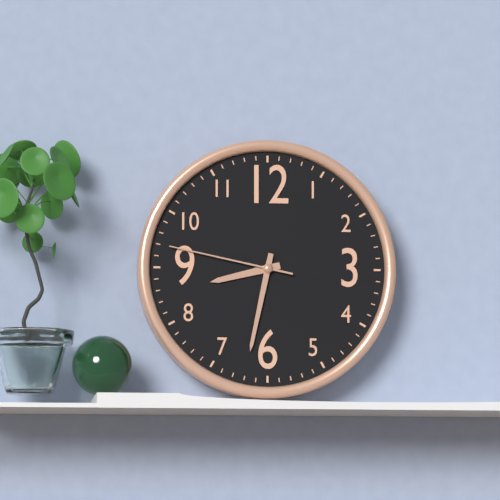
8:32:47
